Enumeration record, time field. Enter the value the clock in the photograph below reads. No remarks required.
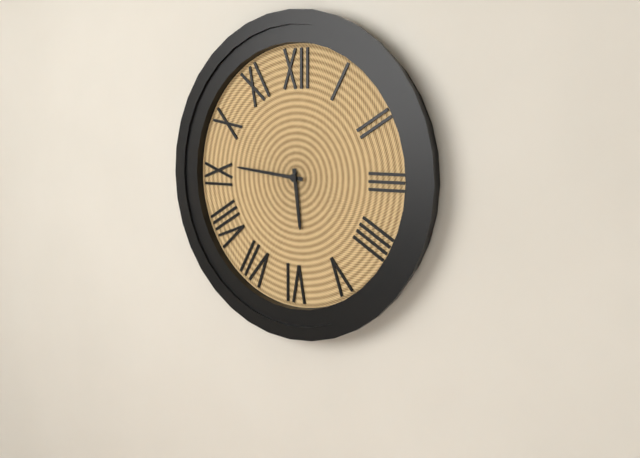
5:46
